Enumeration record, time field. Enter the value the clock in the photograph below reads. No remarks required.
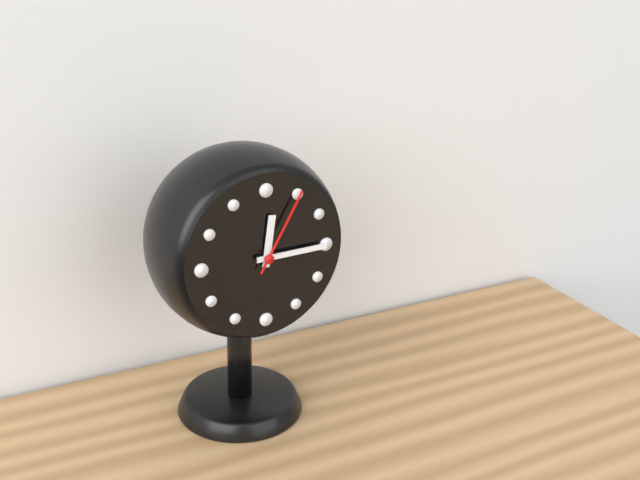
12:15:05
